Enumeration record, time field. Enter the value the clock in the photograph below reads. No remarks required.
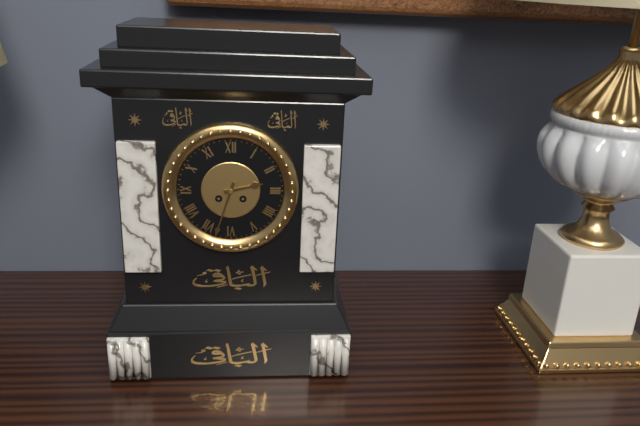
2:33
